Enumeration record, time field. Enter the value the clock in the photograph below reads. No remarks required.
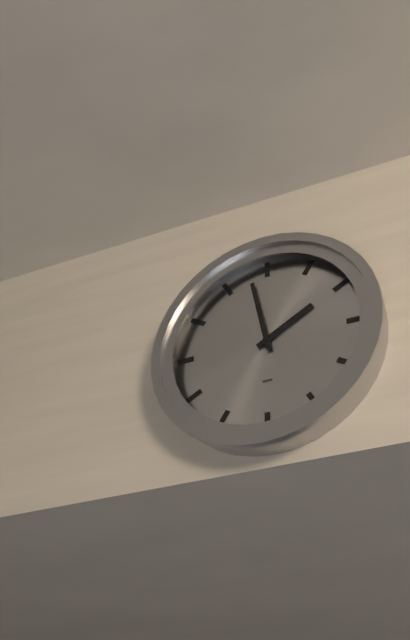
1:58
